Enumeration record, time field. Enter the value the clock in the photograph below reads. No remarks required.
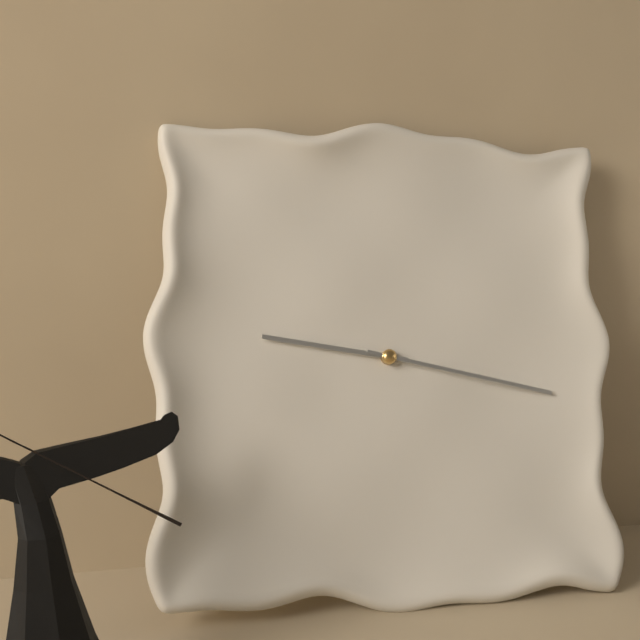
9:17
